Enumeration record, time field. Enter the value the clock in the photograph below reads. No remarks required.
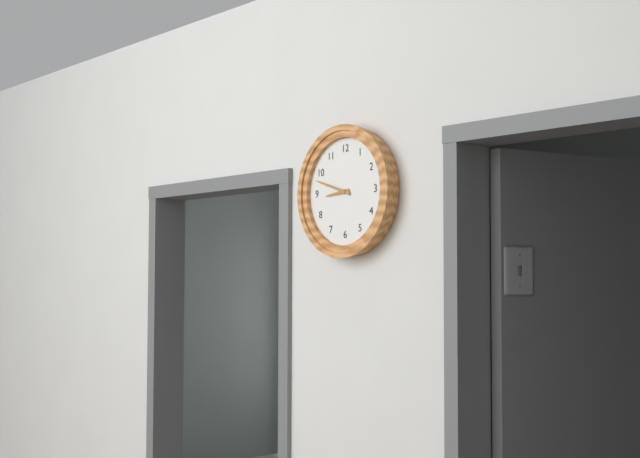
8:48
